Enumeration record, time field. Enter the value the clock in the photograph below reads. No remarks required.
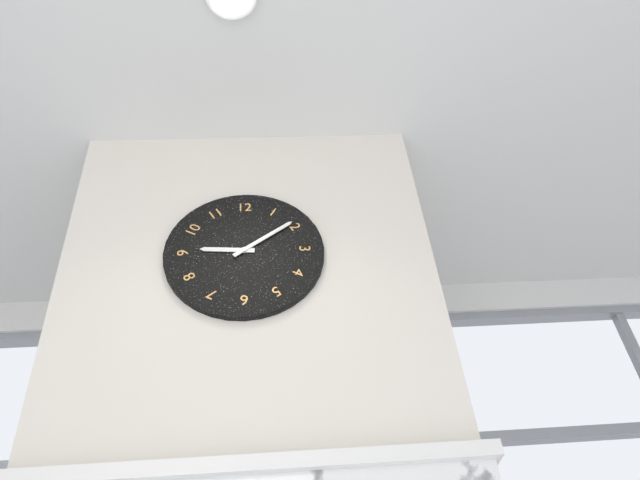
9:09
